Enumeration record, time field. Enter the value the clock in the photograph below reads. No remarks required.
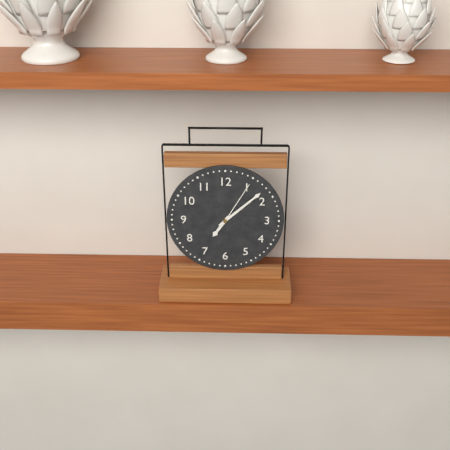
7:08:05
